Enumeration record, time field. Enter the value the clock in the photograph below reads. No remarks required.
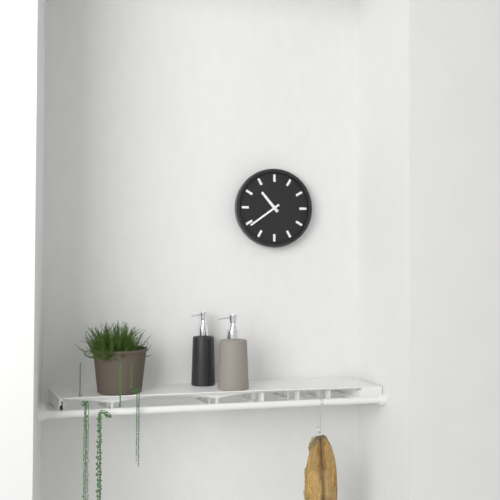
10:39
